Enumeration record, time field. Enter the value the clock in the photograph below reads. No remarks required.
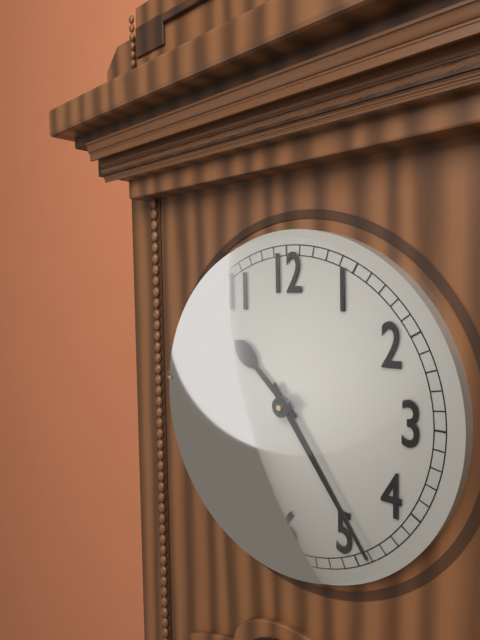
10:24
